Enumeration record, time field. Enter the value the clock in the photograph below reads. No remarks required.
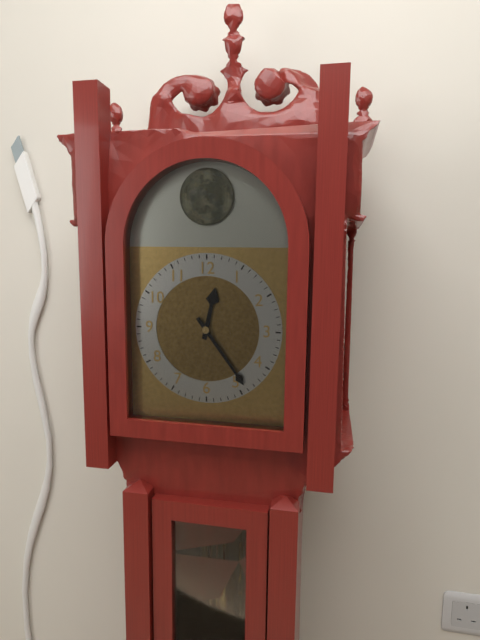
12:24
